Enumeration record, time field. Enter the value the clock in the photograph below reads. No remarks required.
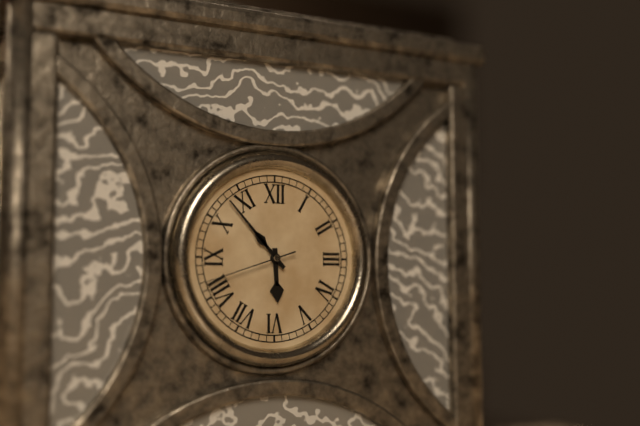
5:53:42
